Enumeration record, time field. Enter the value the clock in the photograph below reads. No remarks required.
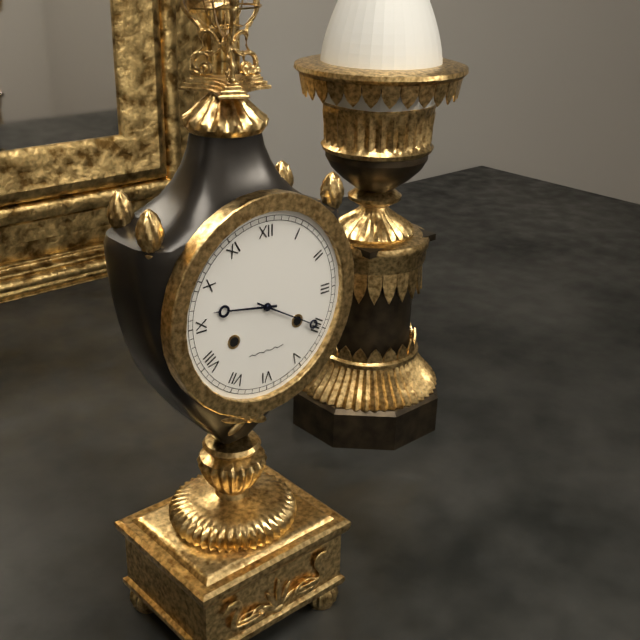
9:20
